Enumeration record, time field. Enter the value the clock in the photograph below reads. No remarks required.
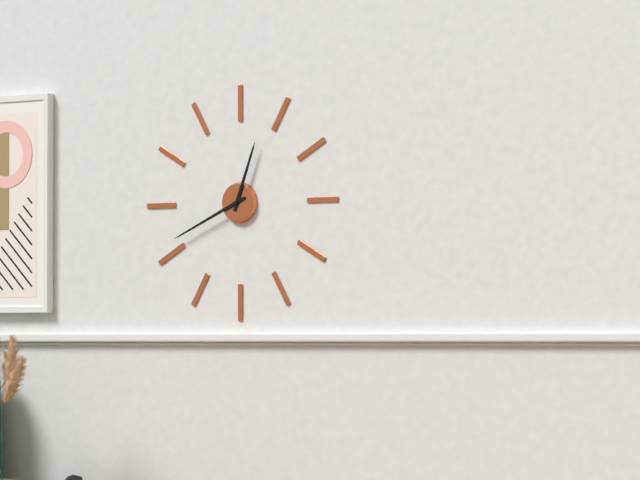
12:41
